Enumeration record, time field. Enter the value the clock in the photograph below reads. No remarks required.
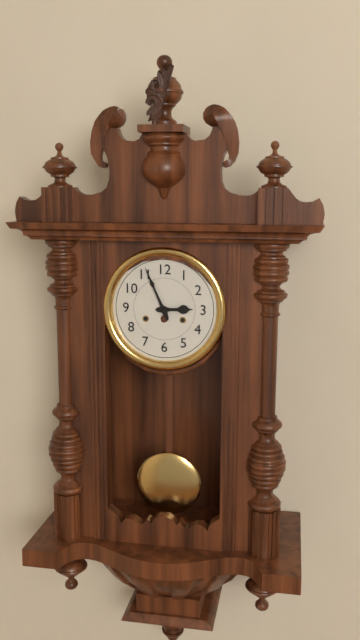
2:56
